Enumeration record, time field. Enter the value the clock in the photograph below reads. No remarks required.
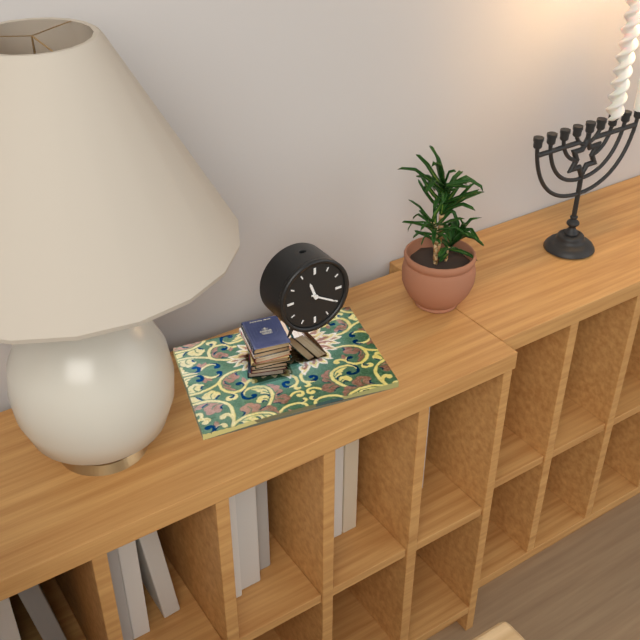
11:20
